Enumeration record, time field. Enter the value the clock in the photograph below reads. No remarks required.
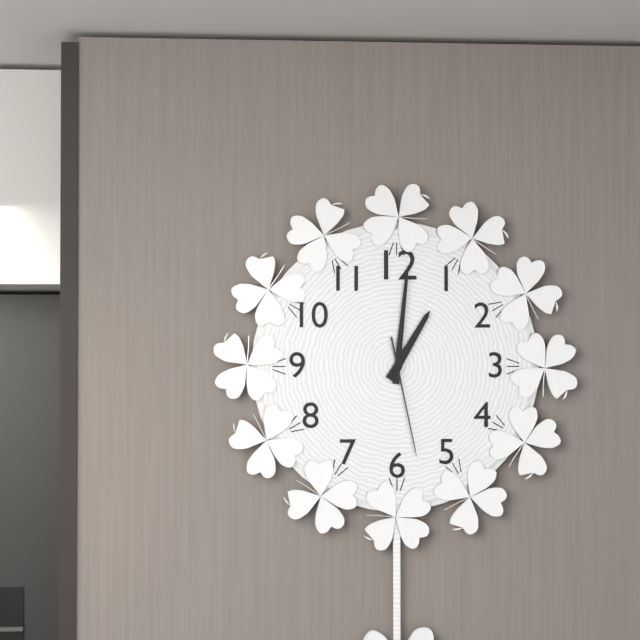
1:01:28
